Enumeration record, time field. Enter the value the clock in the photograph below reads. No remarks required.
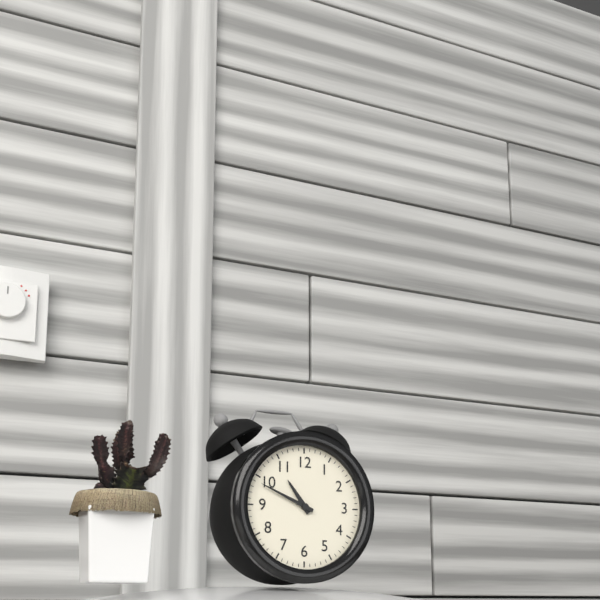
10:49
